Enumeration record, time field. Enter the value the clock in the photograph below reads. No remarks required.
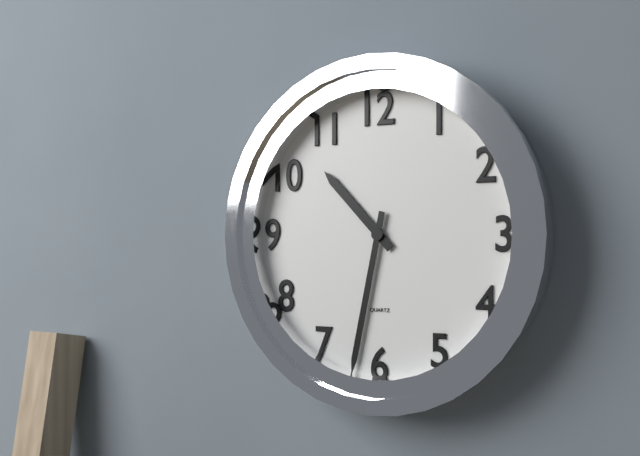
10:32
